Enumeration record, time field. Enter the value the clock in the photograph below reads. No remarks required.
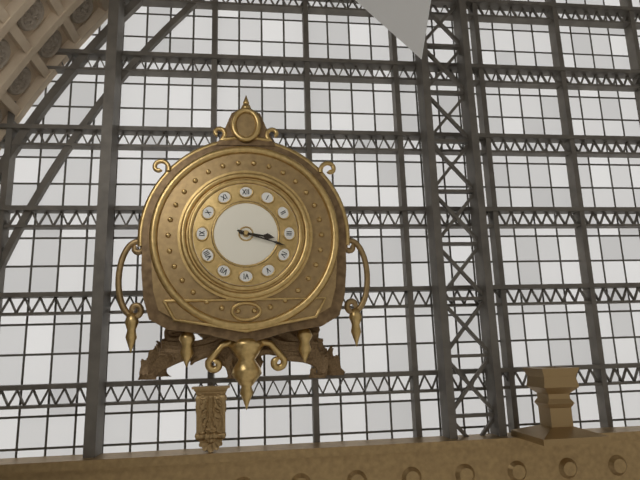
3:18
